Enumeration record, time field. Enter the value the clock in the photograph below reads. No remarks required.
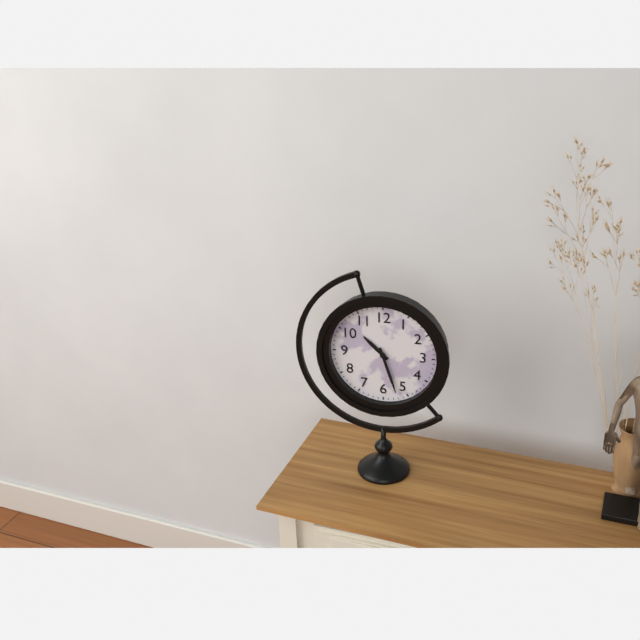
10:27
